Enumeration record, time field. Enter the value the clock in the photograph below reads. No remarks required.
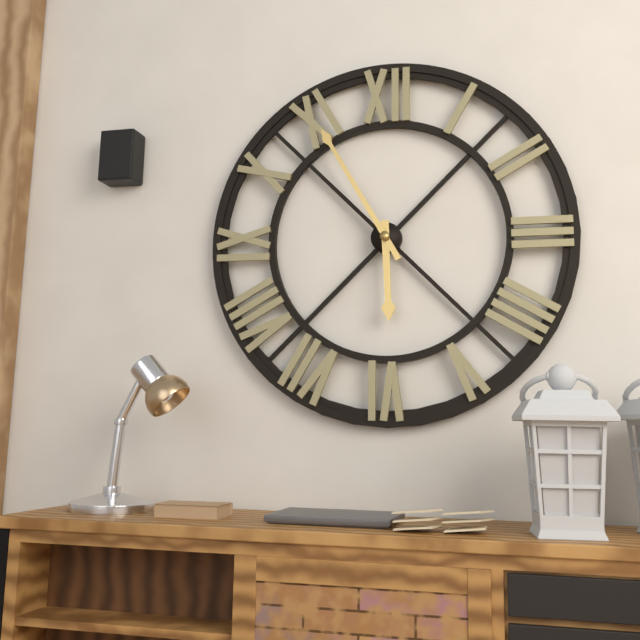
5:55
